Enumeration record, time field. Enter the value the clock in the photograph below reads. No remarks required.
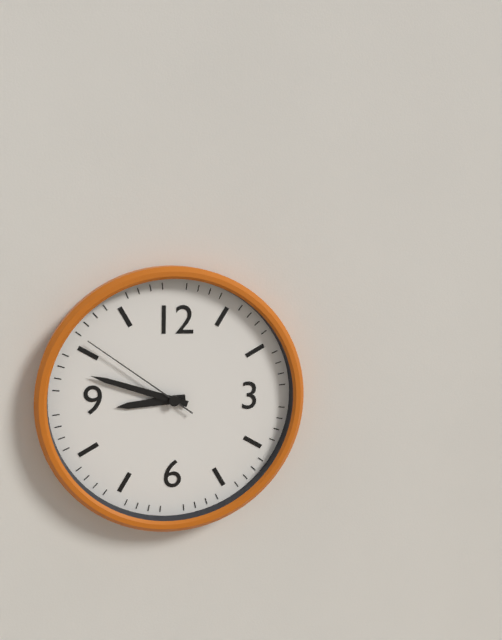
8:48:51
